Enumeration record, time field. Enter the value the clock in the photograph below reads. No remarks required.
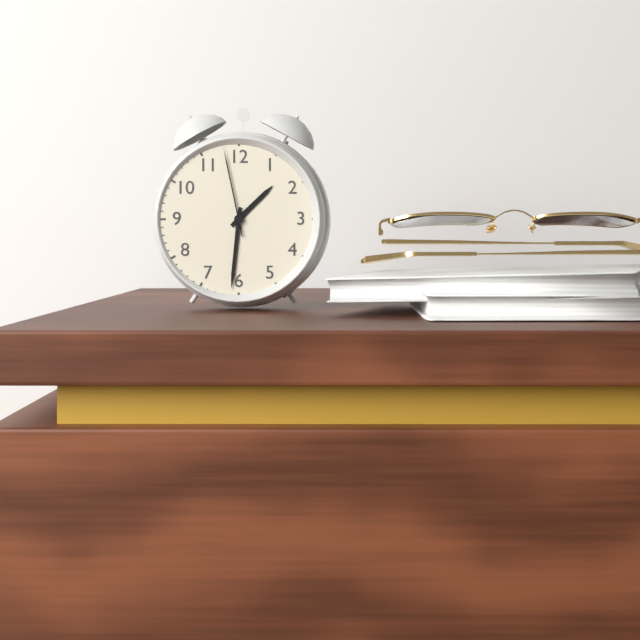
1:31:58
